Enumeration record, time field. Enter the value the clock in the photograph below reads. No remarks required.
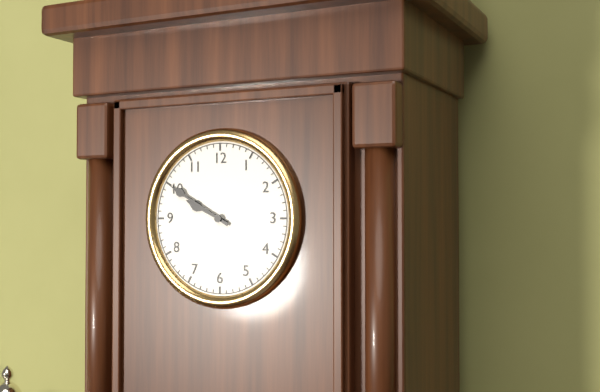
9:50
